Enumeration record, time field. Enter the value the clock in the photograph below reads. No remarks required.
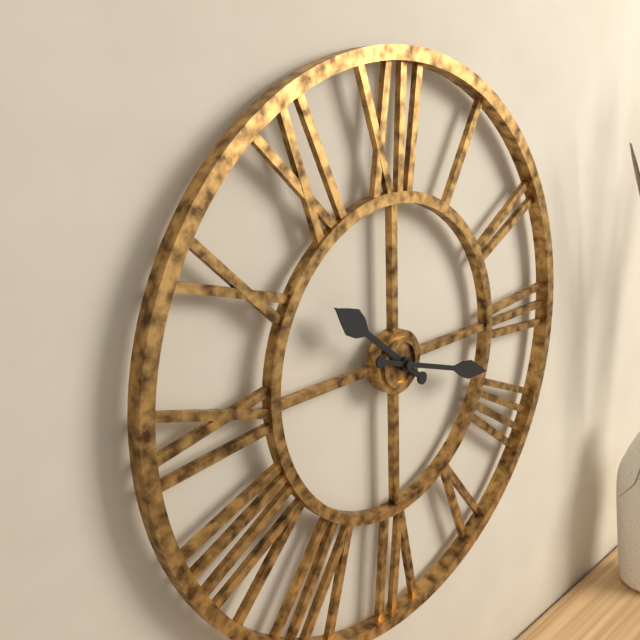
10:18
